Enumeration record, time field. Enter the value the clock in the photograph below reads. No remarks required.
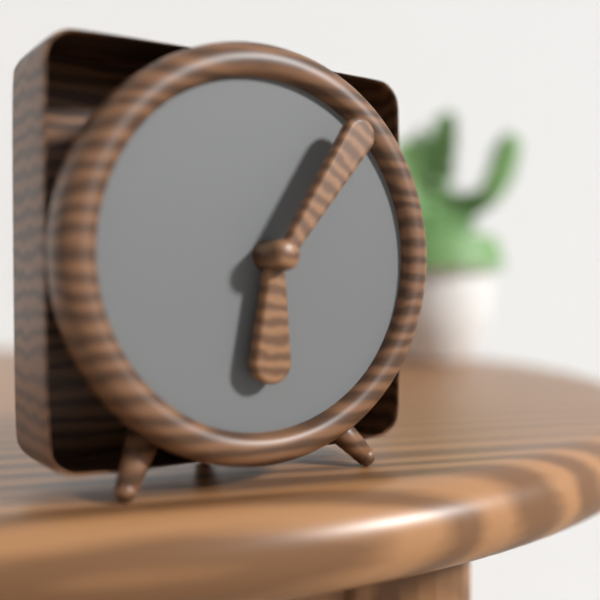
6:06
